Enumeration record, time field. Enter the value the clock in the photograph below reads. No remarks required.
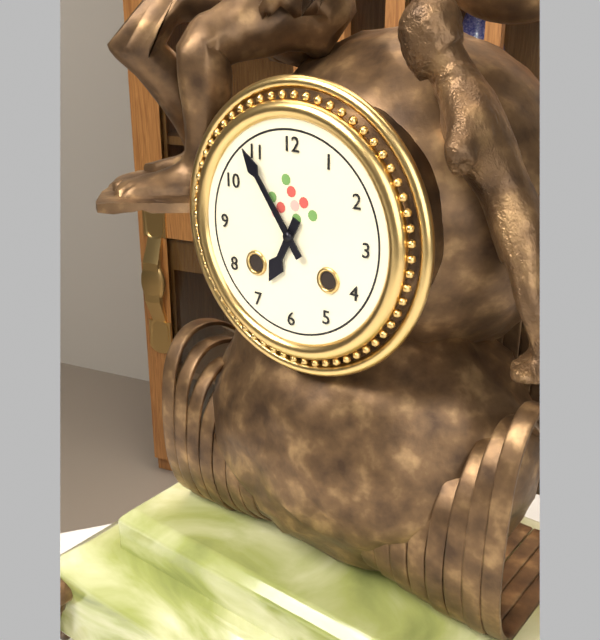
6:54
